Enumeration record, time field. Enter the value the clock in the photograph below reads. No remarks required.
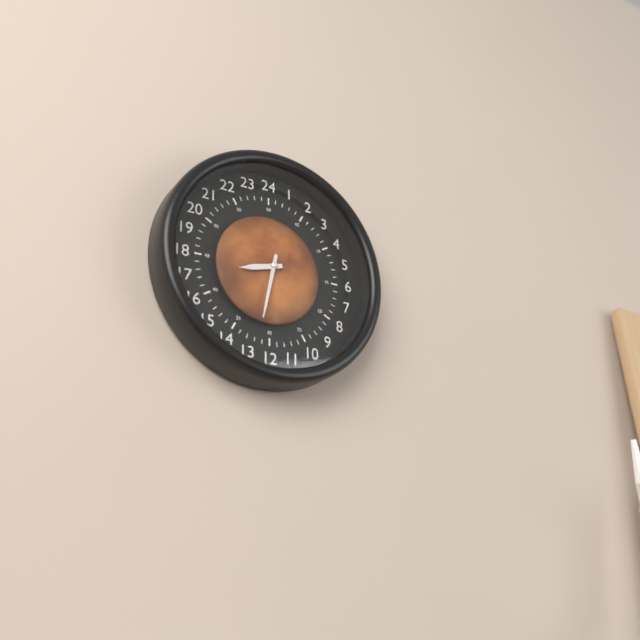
8:32
